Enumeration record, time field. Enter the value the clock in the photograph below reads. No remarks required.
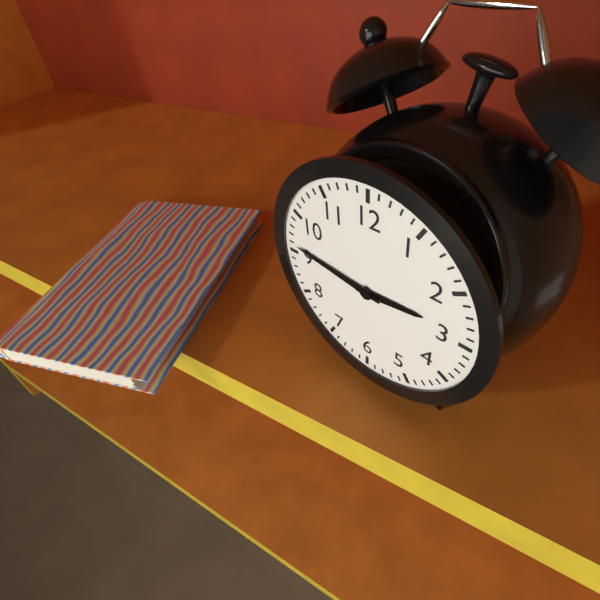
2:46
